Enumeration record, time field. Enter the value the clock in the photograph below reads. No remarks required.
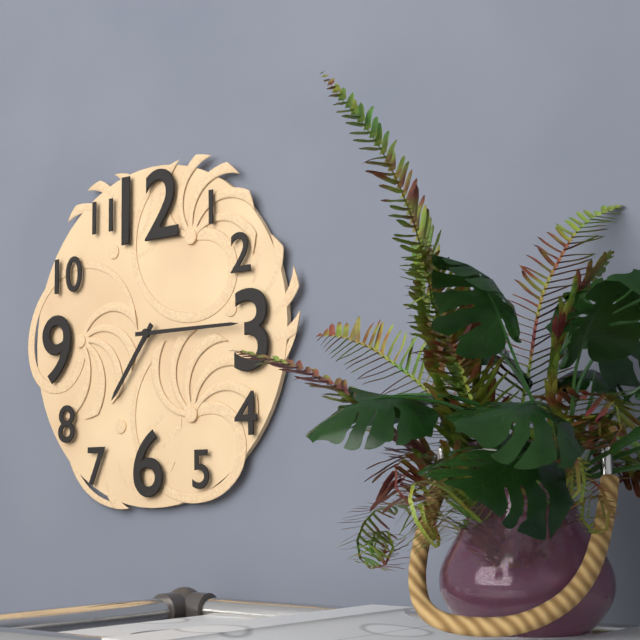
7:15
